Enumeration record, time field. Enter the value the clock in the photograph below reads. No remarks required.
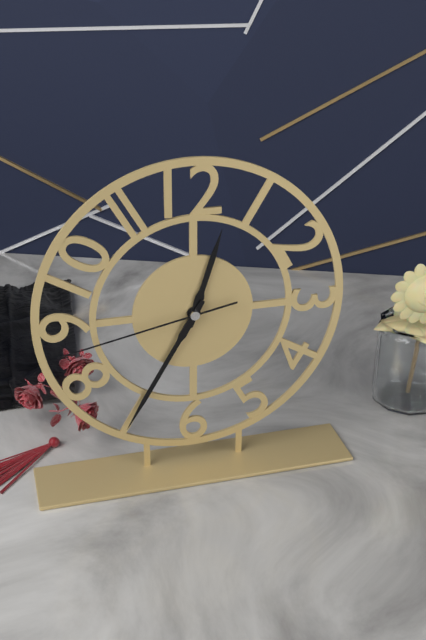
12:35:43
